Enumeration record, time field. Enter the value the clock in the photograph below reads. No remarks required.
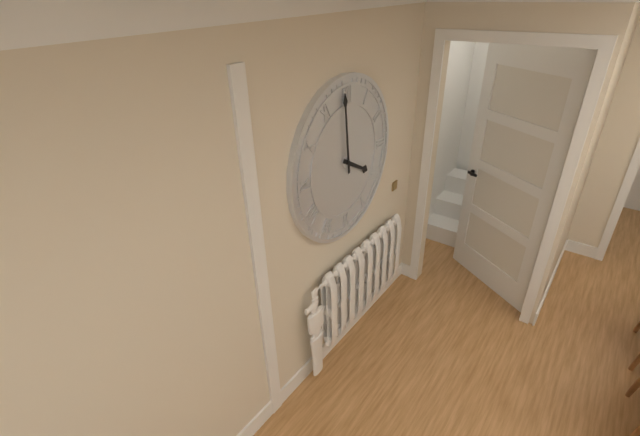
3:59
